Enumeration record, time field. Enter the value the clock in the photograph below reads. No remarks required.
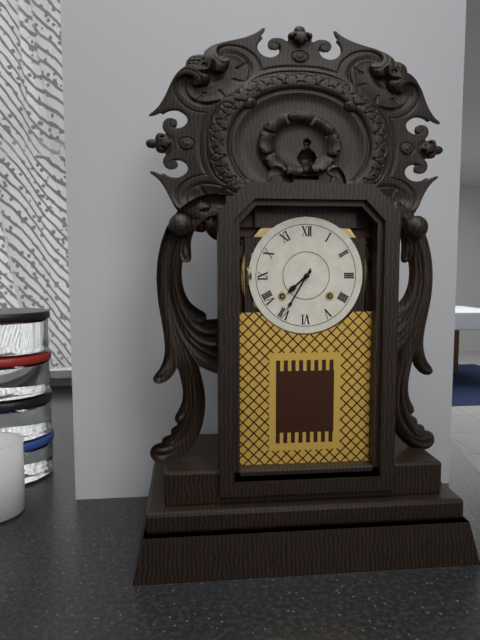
7:35
